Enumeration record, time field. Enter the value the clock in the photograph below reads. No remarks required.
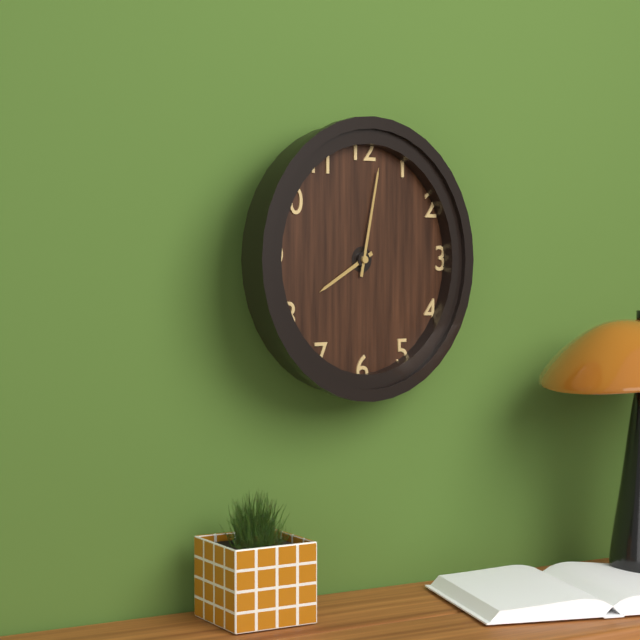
8:02
